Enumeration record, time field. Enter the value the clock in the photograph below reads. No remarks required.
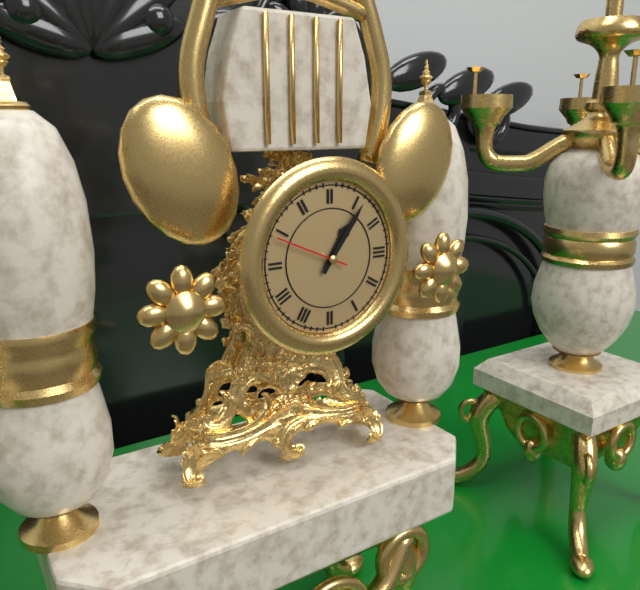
1:06:49
